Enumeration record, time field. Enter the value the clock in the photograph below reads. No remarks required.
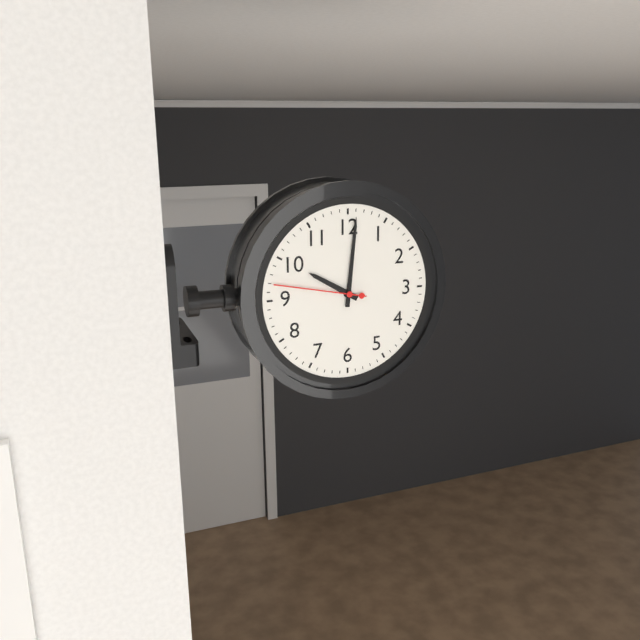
10:01:47
